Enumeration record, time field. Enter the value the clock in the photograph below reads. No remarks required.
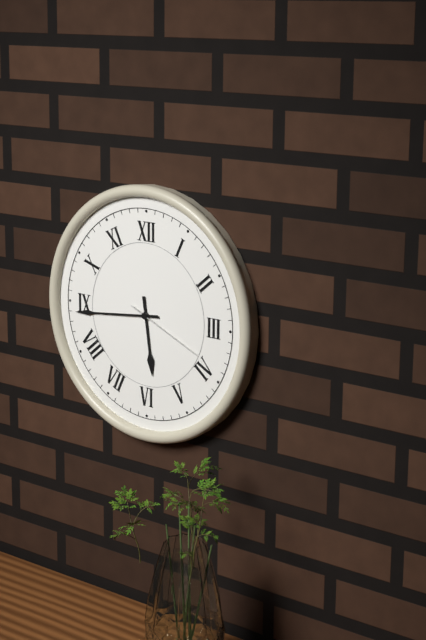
5:44:19
